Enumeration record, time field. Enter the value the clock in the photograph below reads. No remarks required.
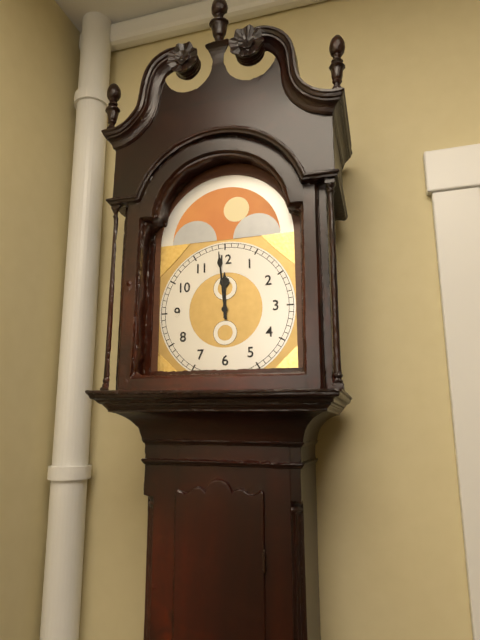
11:59
